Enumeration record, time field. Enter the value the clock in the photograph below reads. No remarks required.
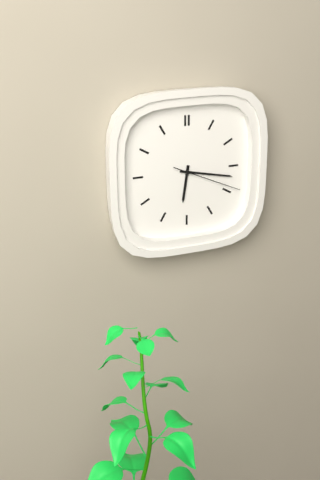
6:17:19
